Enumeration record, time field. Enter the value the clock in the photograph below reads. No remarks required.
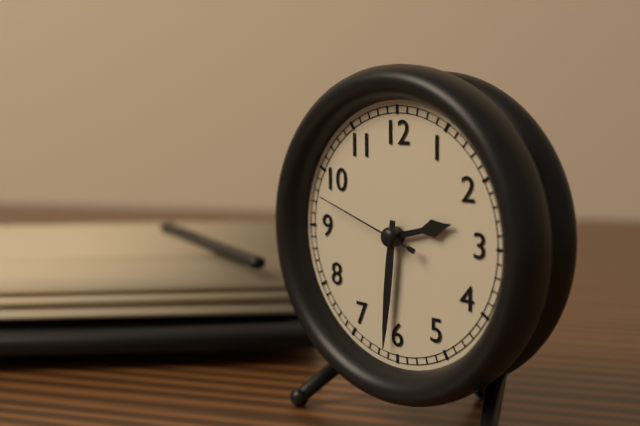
2:31:48
